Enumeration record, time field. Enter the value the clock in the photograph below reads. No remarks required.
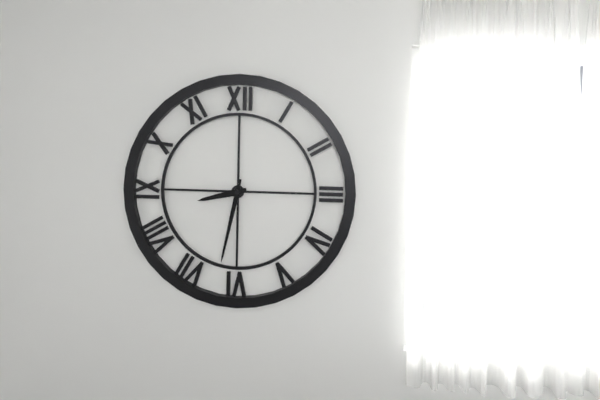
8:32
